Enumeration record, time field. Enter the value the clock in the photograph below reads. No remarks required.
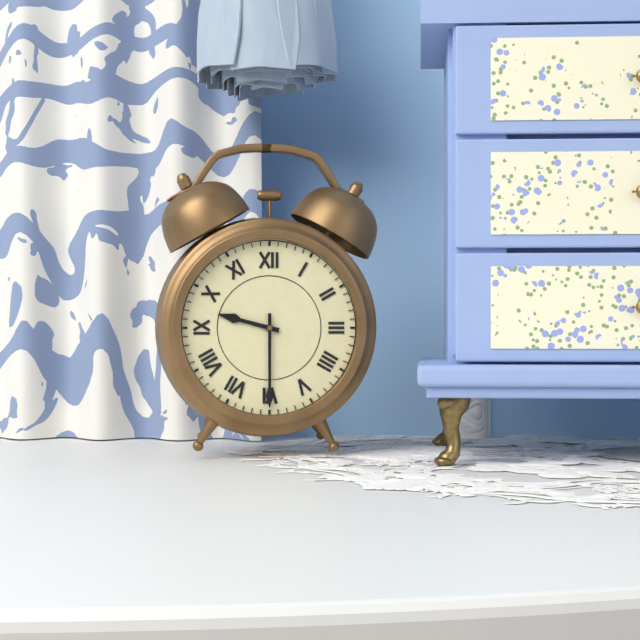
9:30
